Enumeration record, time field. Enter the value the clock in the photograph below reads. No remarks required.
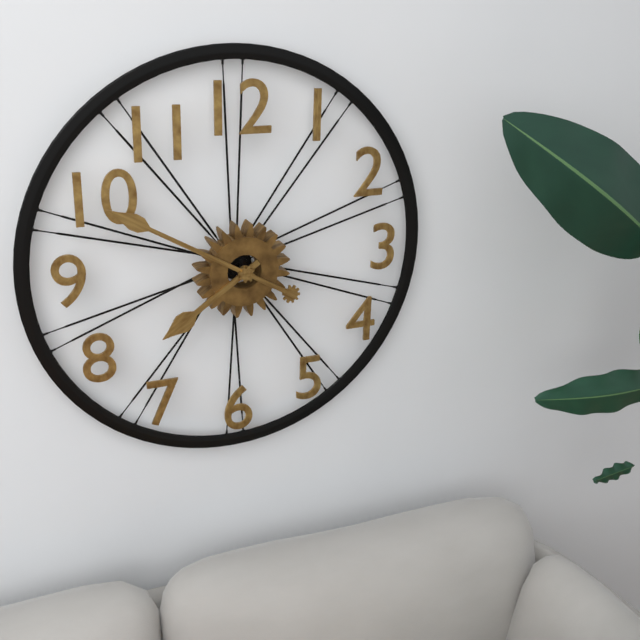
7:50
